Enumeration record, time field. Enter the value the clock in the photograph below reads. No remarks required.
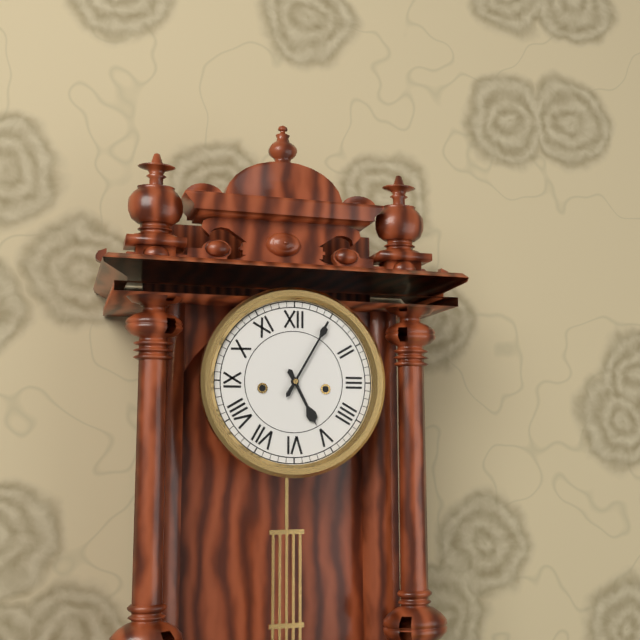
5:05
